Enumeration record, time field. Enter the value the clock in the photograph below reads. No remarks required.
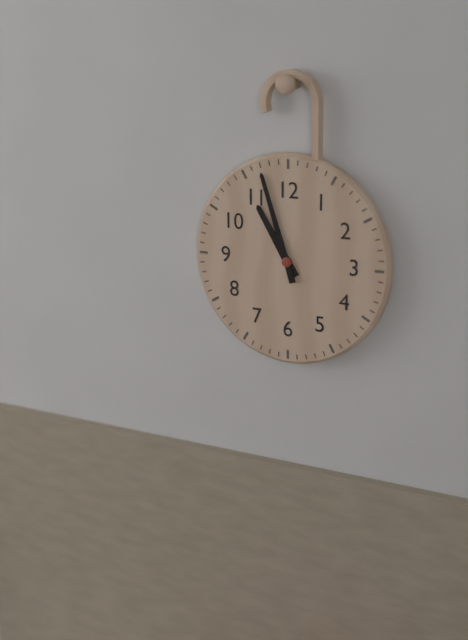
10:57
